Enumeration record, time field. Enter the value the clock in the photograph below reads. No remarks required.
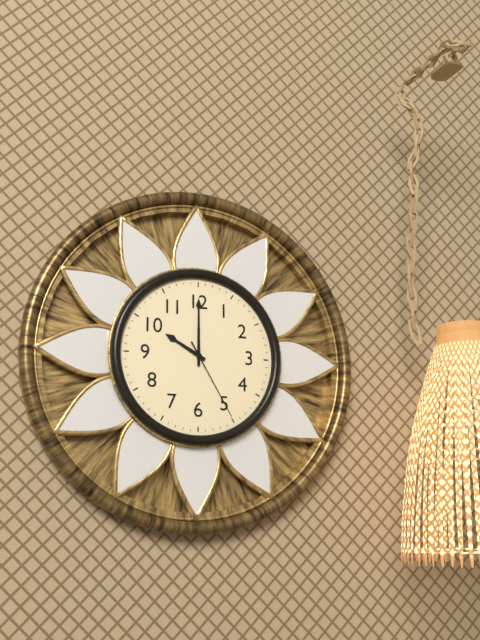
10:00:25
